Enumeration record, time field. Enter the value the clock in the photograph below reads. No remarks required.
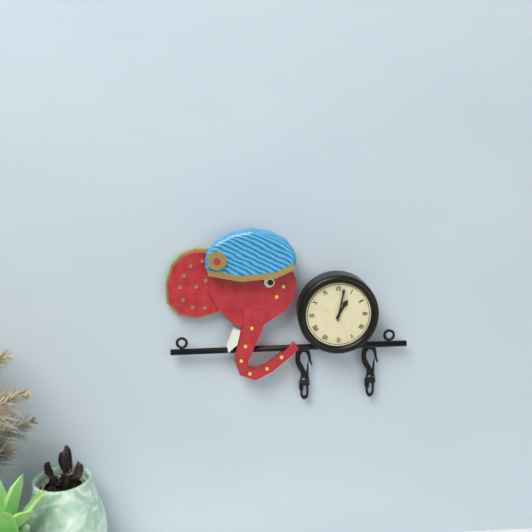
1:02
